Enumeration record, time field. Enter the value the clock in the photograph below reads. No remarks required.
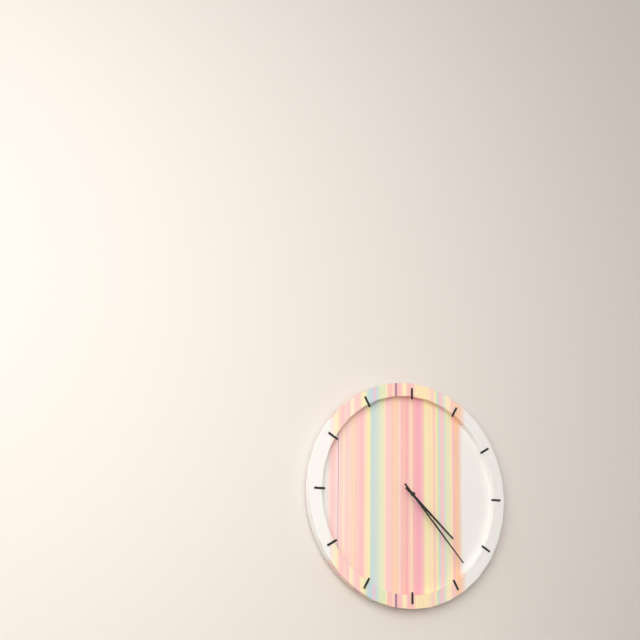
4:23
